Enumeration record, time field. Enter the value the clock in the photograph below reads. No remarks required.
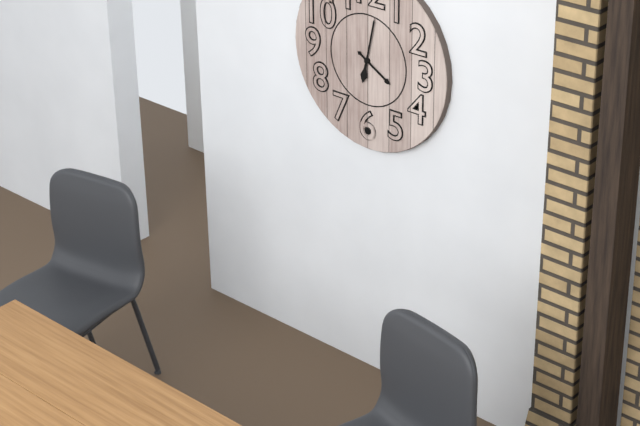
4:02
